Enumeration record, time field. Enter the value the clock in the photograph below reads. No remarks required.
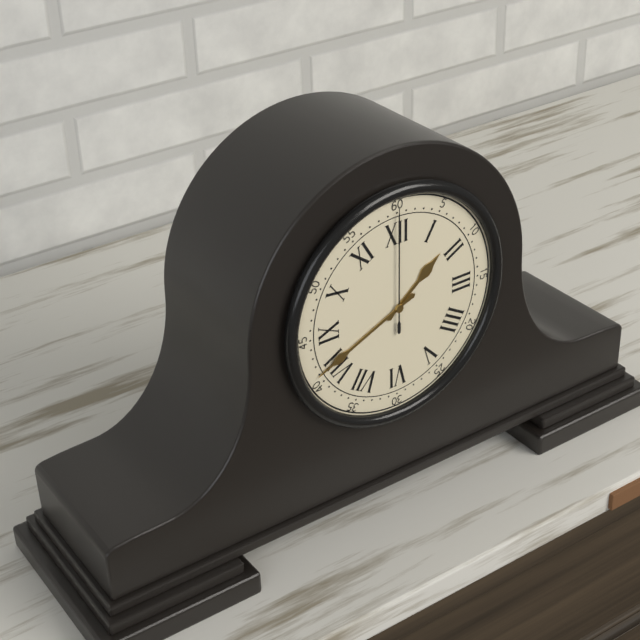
1:41:00
